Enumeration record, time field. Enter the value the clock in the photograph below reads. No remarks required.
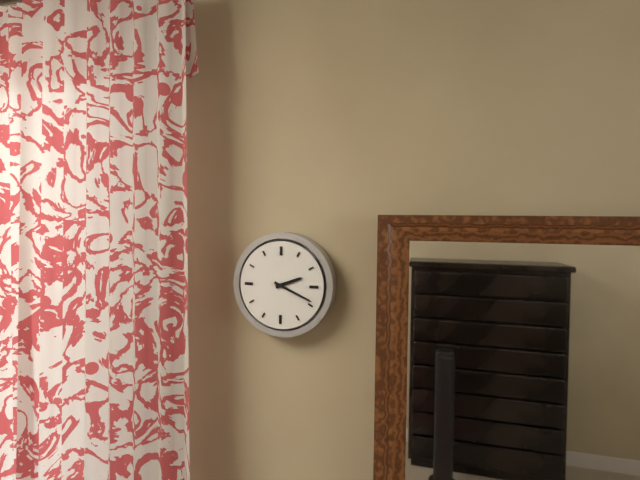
2:19
